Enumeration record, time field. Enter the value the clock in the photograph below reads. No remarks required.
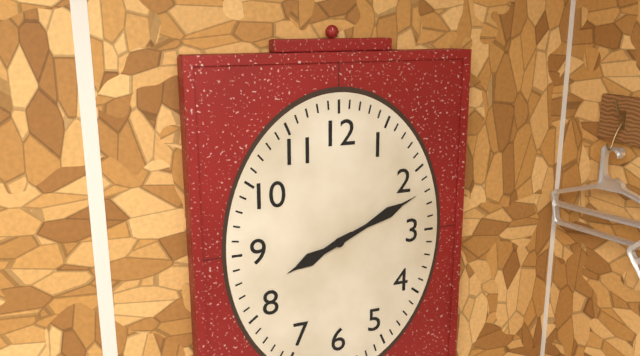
8:11
